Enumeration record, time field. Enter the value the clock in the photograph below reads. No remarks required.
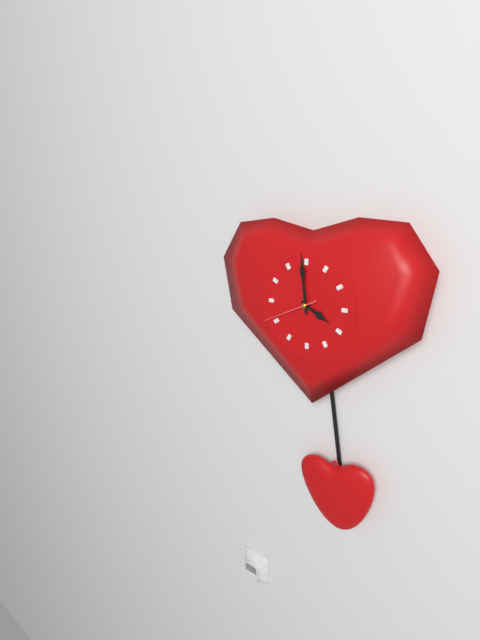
3:59:41
